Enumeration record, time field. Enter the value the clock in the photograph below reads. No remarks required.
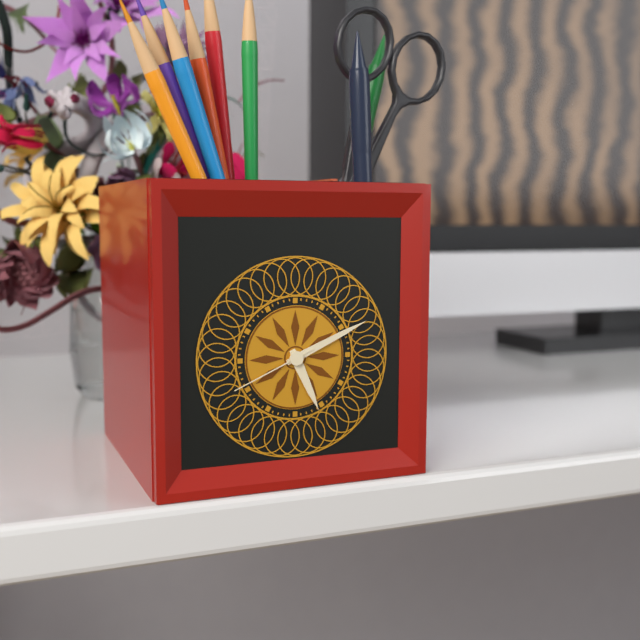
5:11:41
